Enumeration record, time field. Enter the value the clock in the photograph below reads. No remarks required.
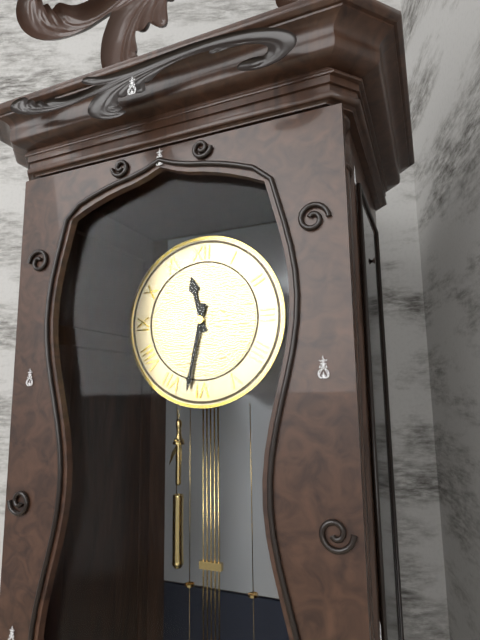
11:32
